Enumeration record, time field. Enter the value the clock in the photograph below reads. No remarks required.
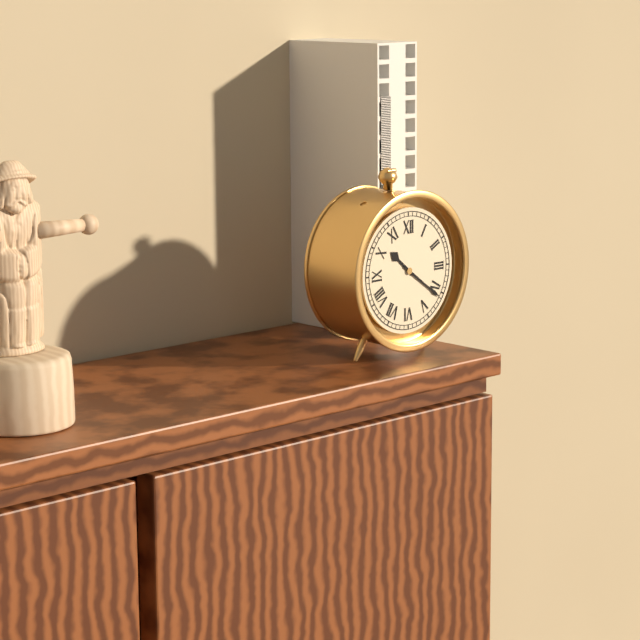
10:21
